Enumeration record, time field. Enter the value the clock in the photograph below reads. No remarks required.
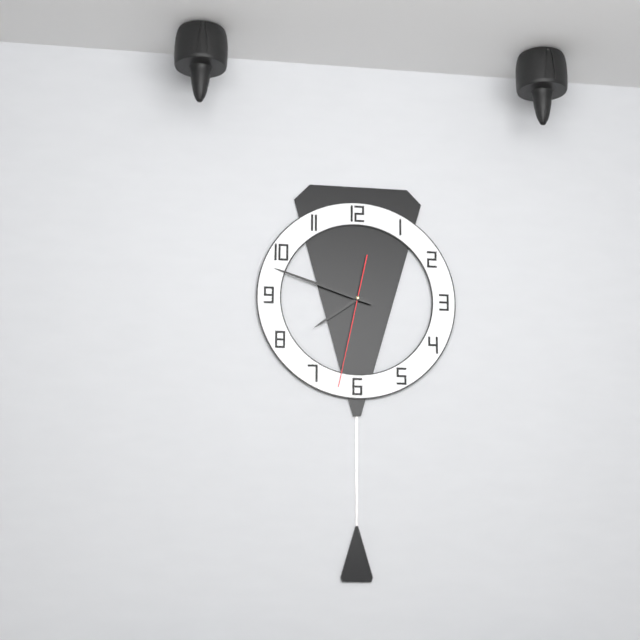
7:48:32
